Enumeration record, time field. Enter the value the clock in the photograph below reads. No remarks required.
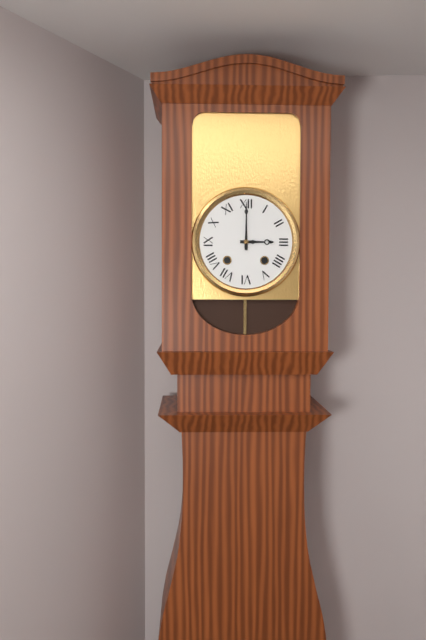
3:00
